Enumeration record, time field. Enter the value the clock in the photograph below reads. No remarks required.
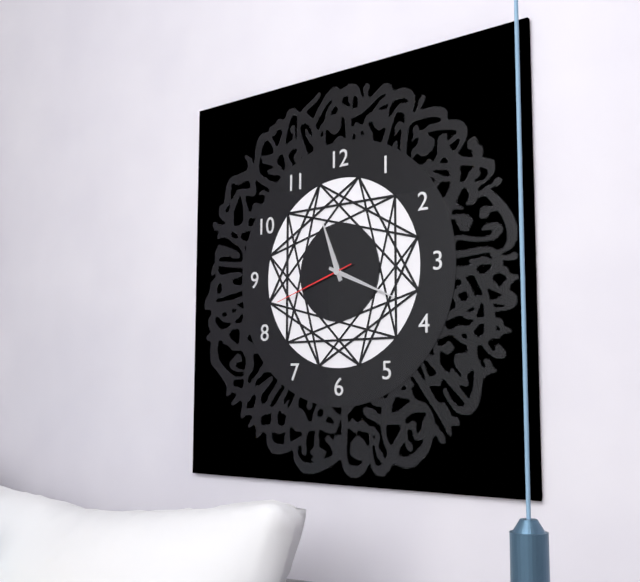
11:19:42
